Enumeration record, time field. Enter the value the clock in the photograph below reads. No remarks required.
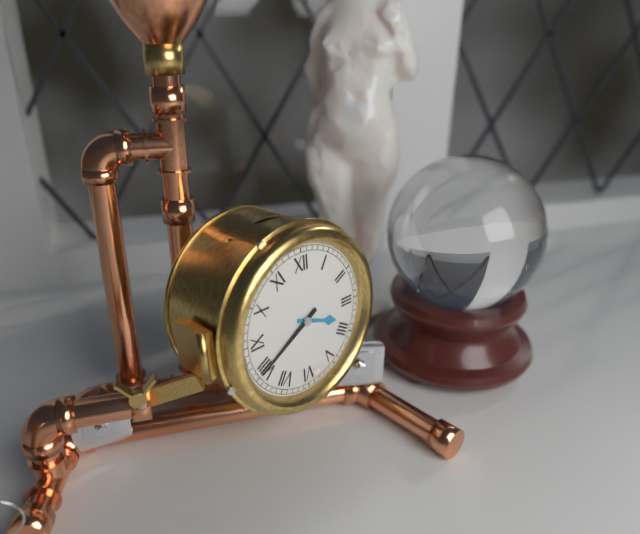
3:40
